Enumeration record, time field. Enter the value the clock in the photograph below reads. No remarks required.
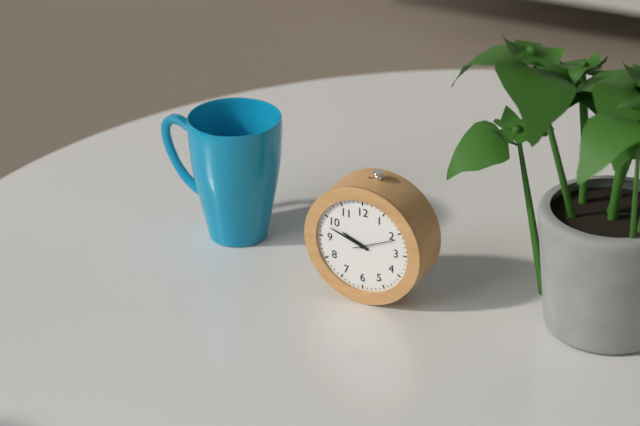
9:48
